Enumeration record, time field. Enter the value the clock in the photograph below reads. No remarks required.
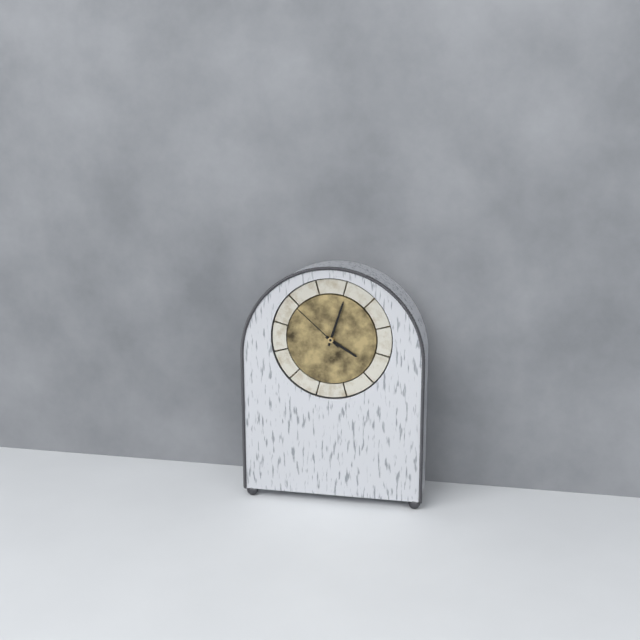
4:03:52
